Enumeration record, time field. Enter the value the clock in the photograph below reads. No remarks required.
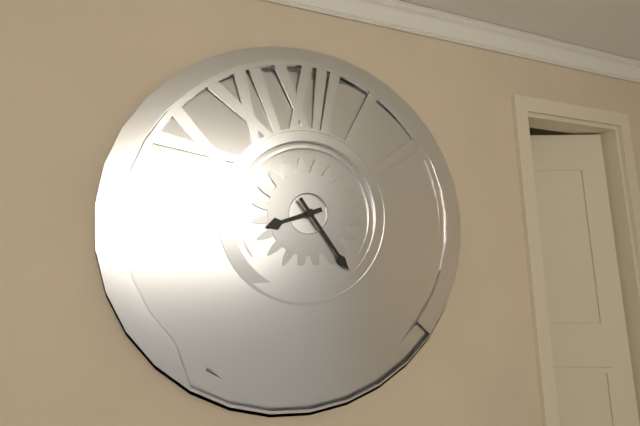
8:24
